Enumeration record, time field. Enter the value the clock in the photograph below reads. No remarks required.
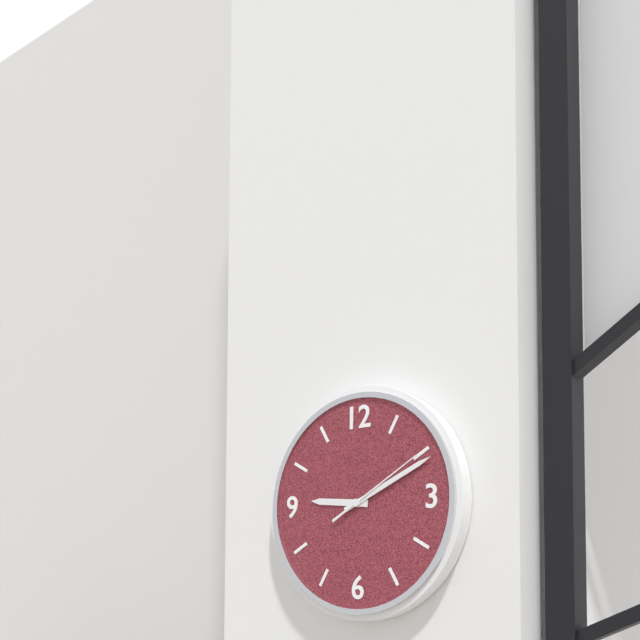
9:11:10
